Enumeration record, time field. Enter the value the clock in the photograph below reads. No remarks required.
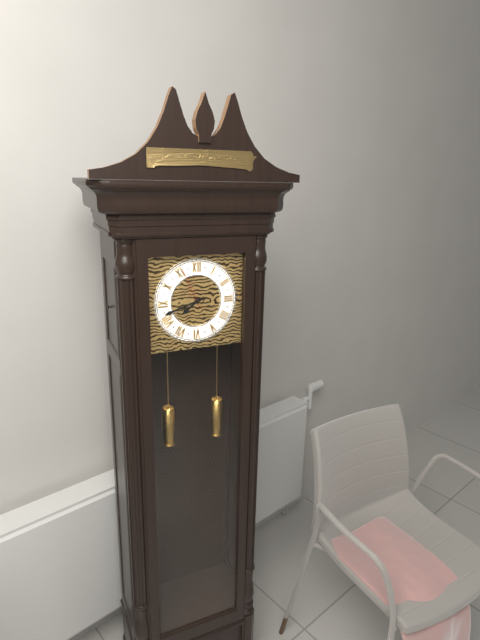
7:42
